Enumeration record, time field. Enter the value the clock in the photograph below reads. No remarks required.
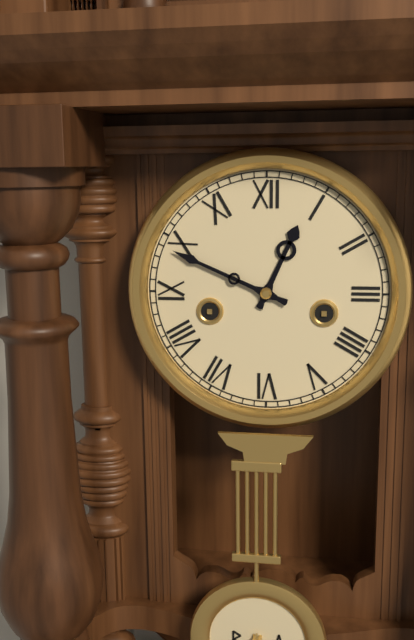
12:49
